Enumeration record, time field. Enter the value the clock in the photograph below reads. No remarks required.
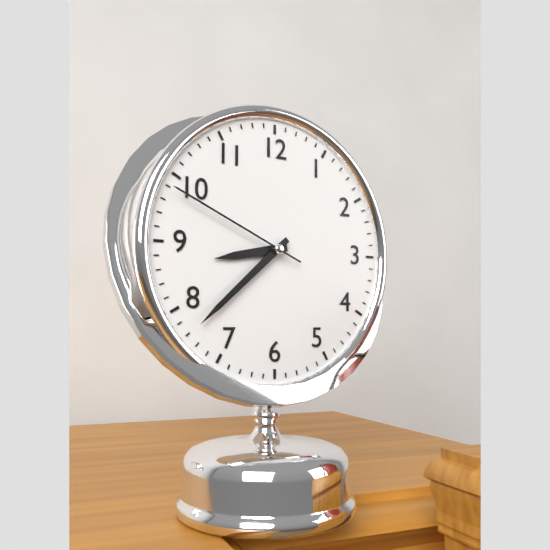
8:38:49
